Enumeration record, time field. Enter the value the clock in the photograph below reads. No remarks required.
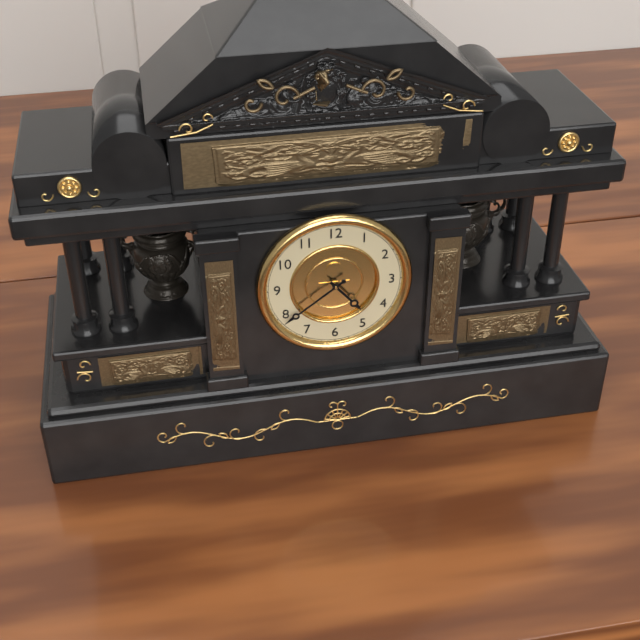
4:39
